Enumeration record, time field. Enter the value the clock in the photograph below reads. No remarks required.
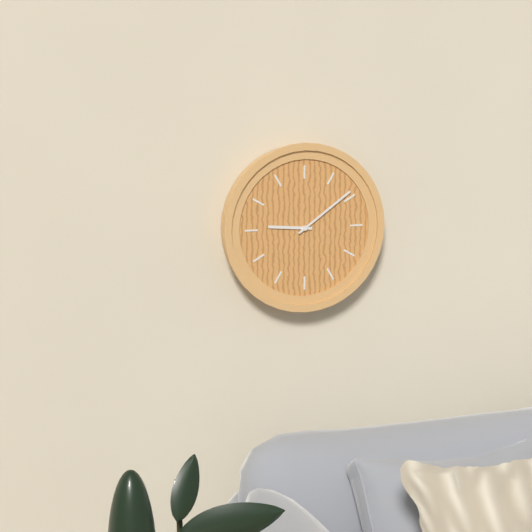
9:09
